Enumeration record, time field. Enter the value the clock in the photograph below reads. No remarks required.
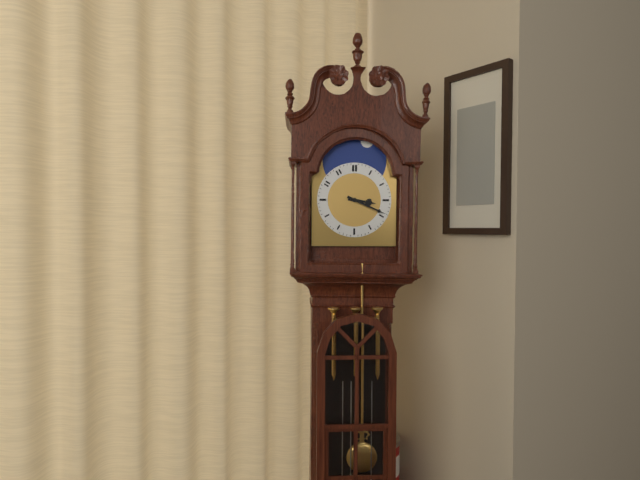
3:19
